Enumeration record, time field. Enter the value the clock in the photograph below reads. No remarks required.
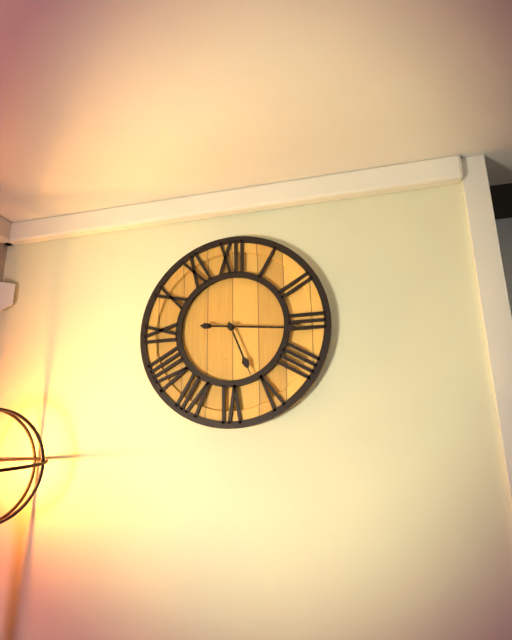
5:16
